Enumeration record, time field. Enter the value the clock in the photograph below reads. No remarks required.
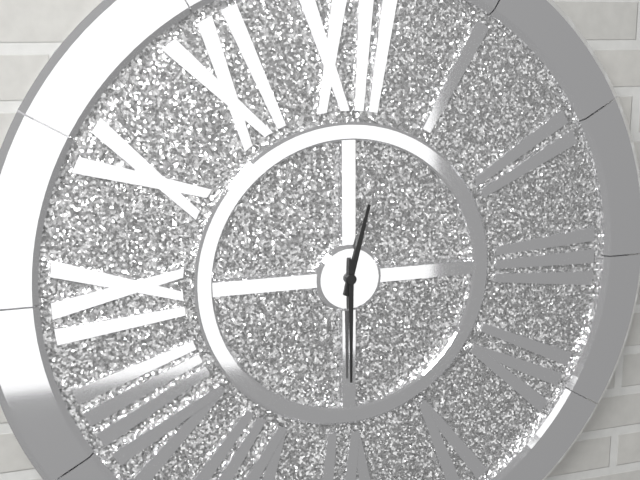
12:30
